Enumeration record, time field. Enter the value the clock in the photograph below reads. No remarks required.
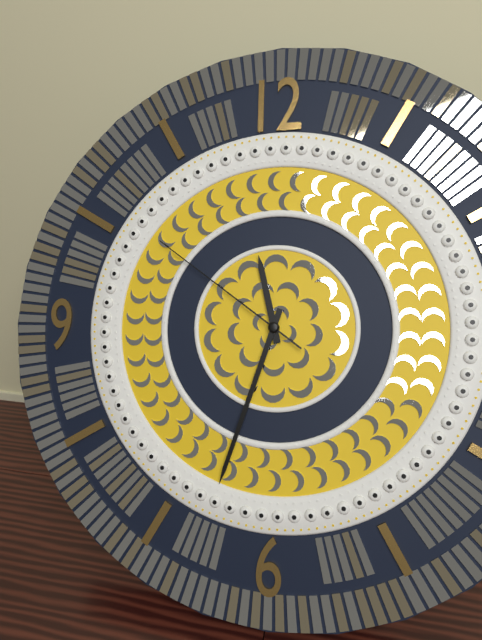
11:33:51
